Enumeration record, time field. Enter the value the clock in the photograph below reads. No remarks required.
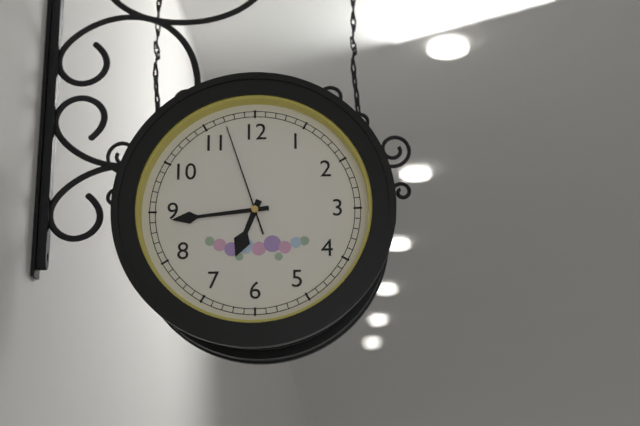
6:44:57
